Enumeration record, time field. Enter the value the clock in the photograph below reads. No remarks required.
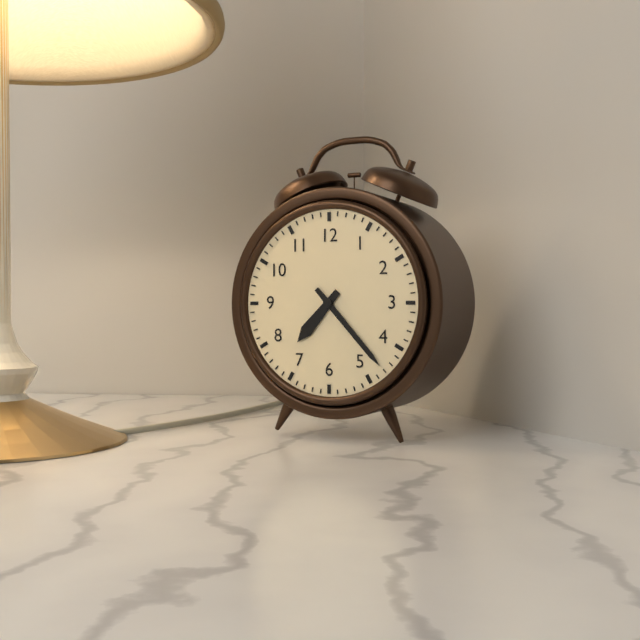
7:23
